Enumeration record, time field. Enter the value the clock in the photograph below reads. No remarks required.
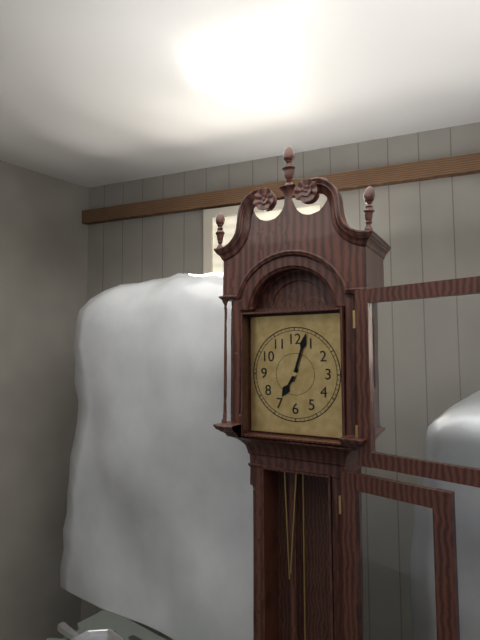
7:03
